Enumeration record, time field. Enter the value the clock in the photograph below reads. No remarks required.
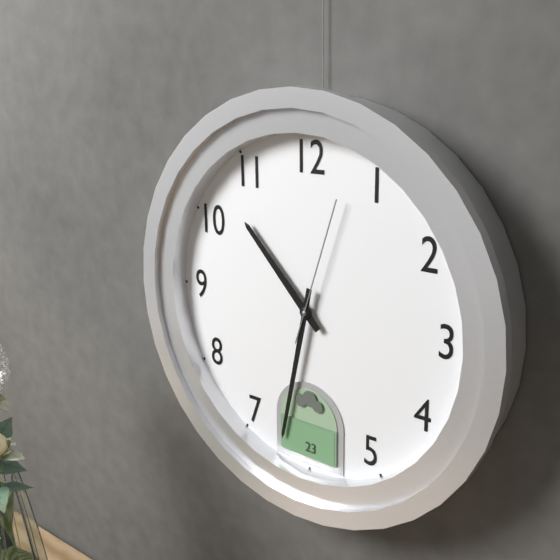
10:32:03
